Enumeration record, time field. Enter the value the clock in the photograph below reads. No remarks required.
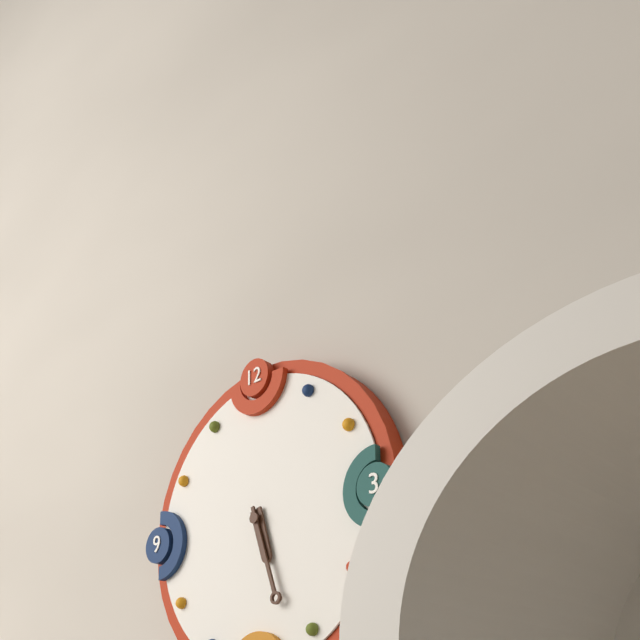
5:27
